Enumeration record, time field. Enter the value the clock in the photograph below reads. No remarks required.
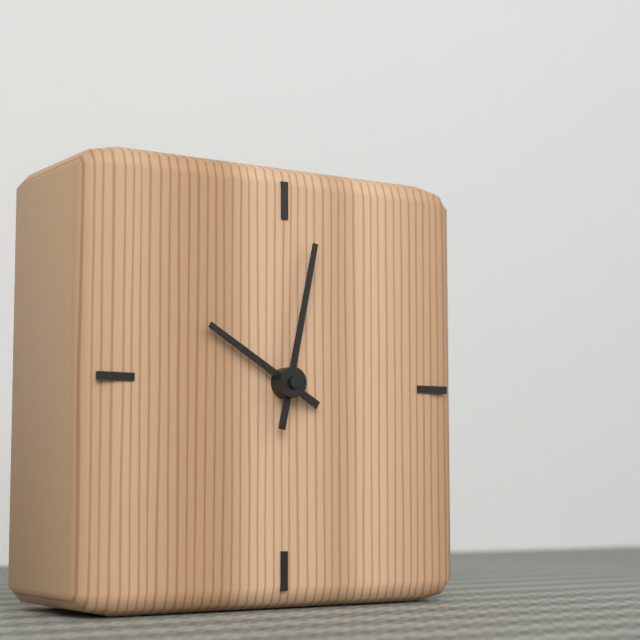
10:02
